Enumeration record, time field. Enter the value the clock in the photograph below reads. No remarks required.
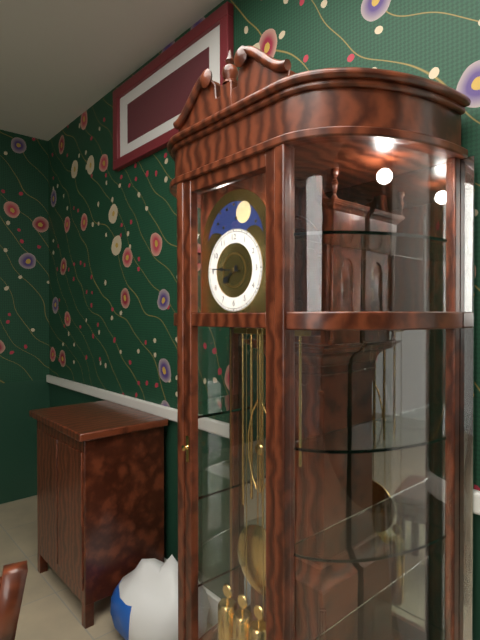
7:46
